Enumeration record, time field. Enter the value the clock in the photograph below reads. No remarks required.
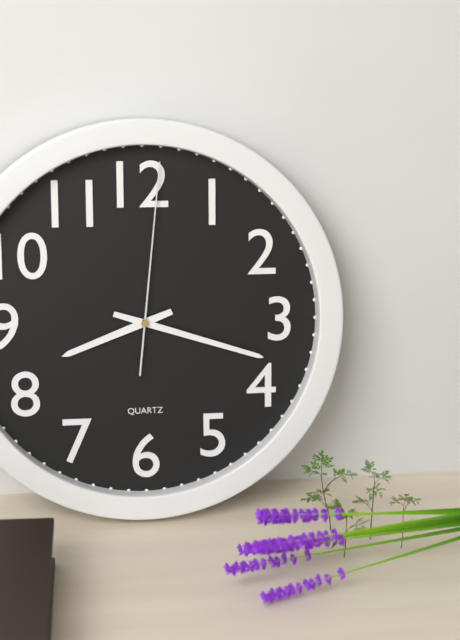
8:18:01
